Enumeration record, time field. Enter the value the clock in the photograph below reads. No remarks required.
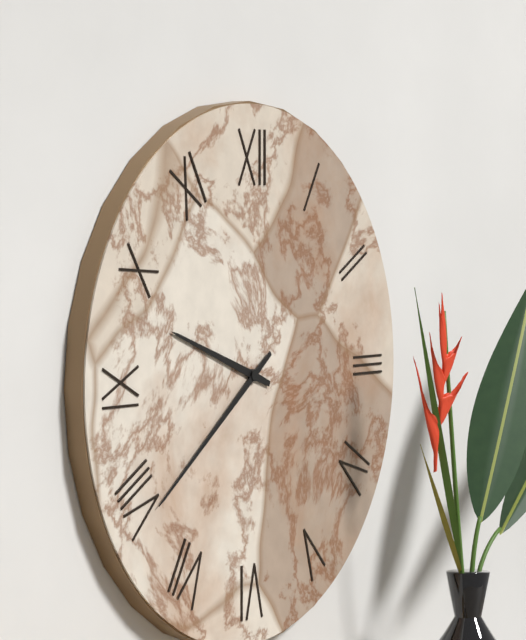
9:39
